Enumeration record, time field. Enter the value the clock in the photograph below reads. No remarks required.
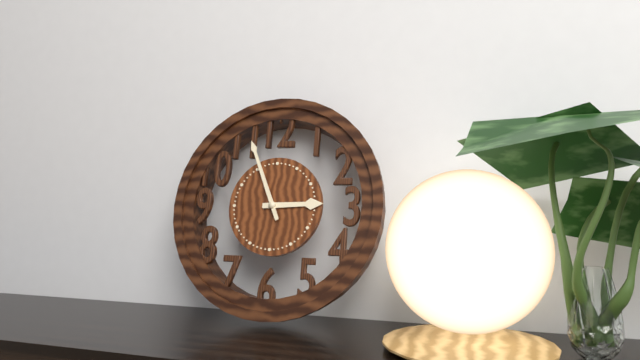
2:56
